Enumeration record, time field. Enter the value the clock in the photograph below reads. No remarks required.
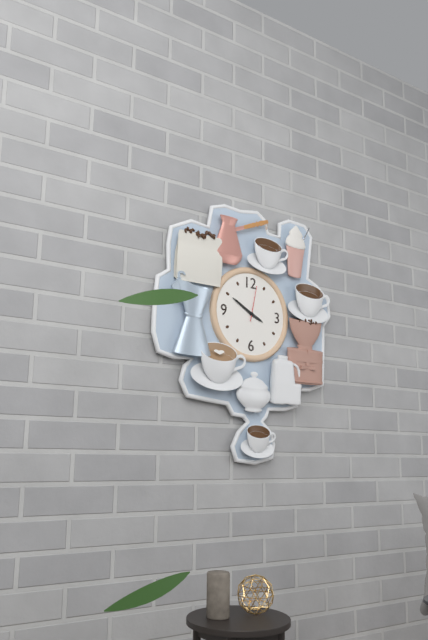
3:50
